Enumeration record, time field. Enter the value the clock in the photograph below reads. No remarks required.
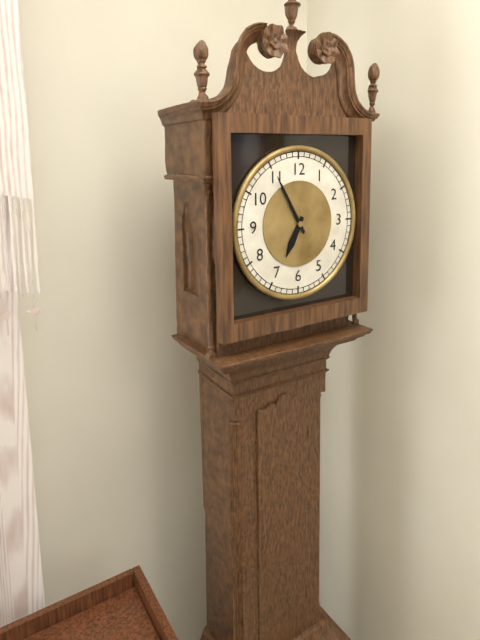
6:55
